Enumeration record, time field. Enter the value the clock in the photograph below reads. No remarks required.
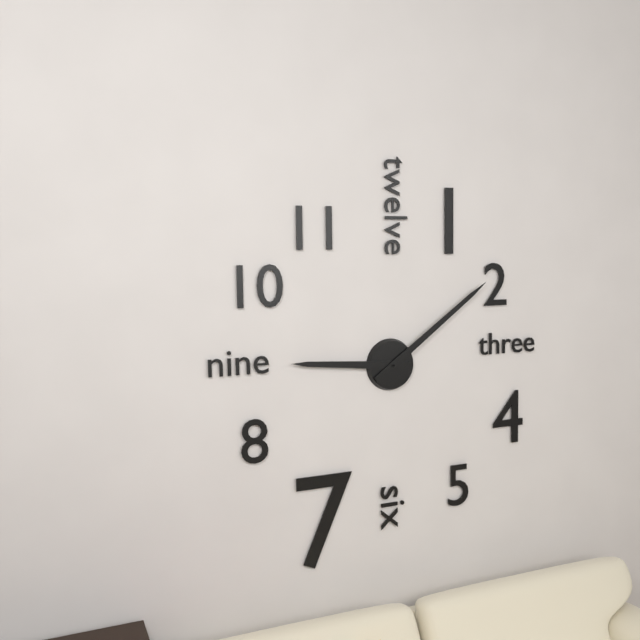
9:09
